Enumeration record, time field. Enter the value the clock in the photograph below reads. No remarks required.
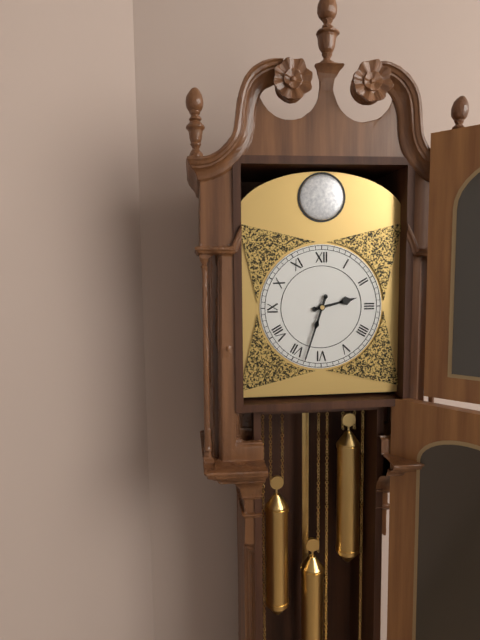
2:33
